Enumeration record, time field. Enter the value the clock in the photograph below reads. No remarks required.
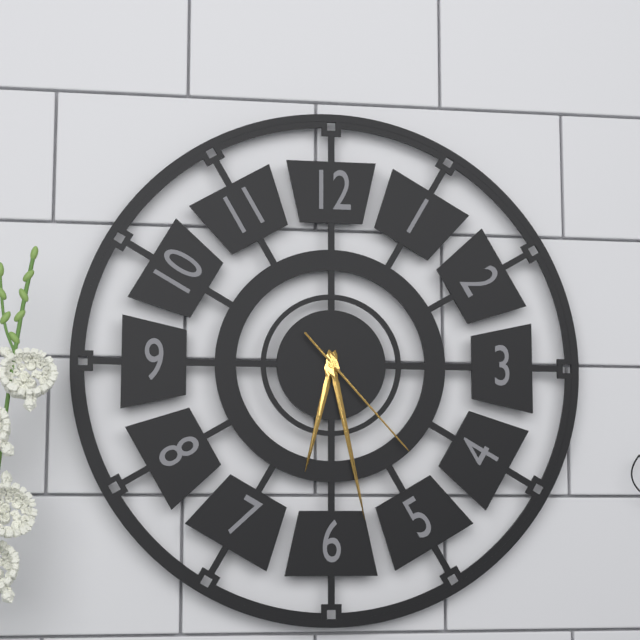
6:28:23
